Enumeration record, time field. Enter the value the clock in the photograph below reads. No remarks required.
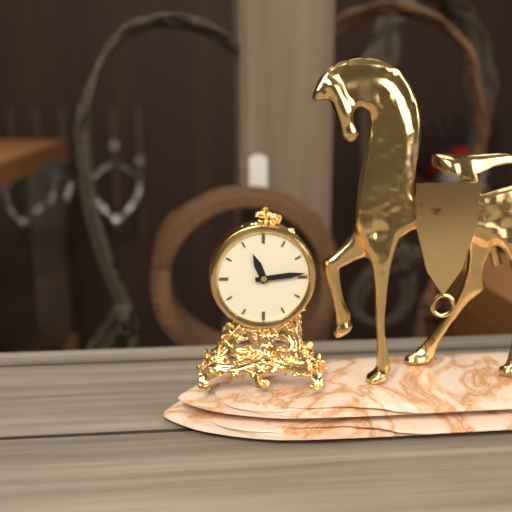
11:14
